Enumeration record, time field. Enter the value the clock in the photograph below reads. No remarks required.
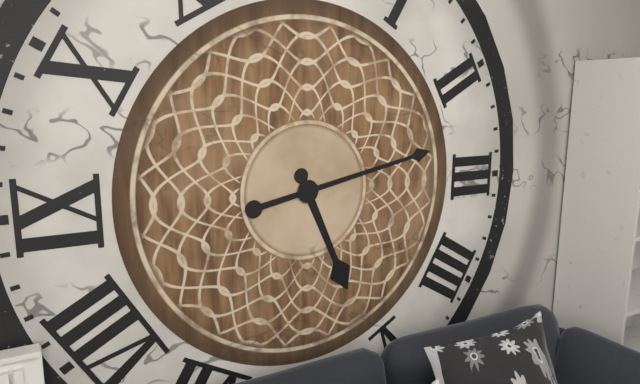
5:13
